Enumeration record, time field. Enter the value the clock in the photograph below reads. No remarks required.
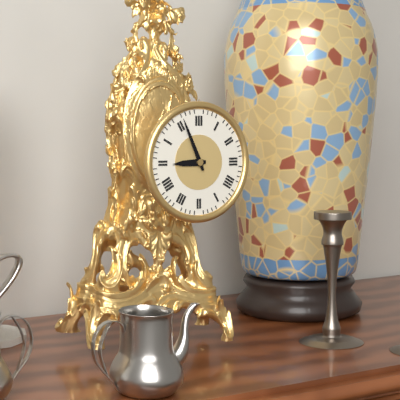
8:56
